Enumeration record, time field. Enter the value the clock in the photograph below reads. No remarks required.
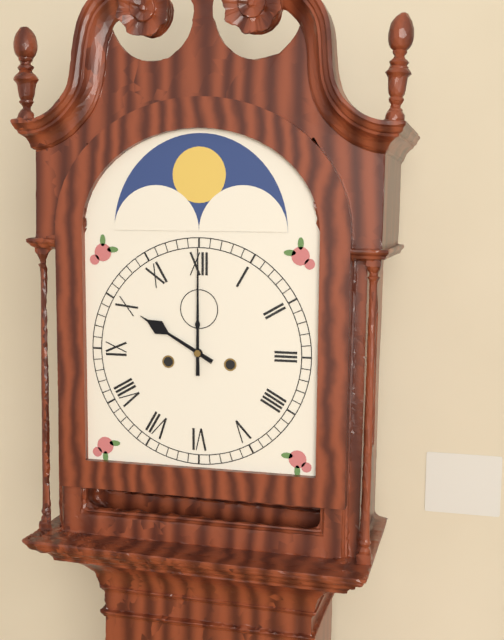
10:00
